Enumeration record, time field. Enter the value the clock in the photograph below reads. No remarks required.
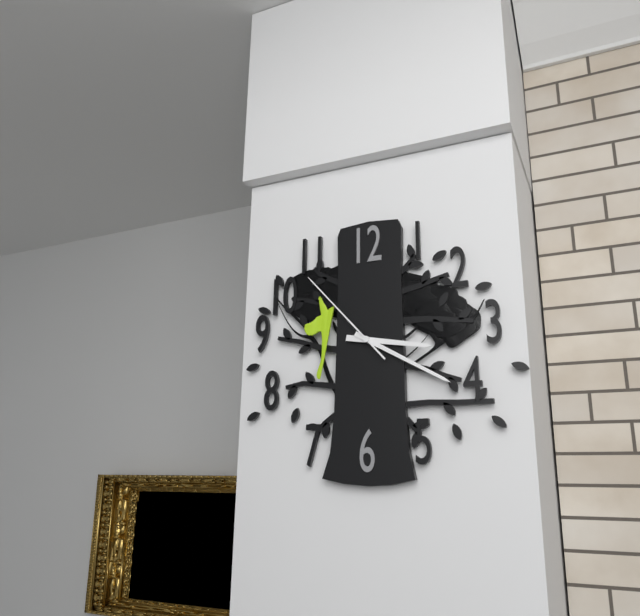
3:20:53
